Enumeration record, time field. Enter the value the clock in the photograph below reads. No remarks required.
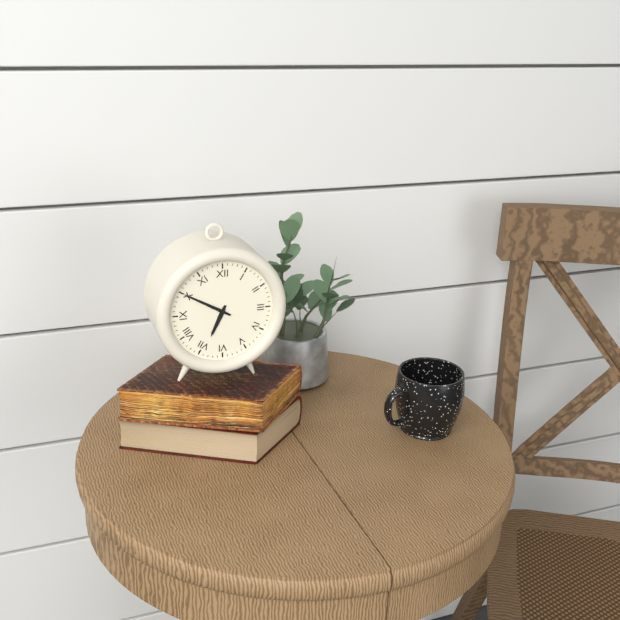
6:50
